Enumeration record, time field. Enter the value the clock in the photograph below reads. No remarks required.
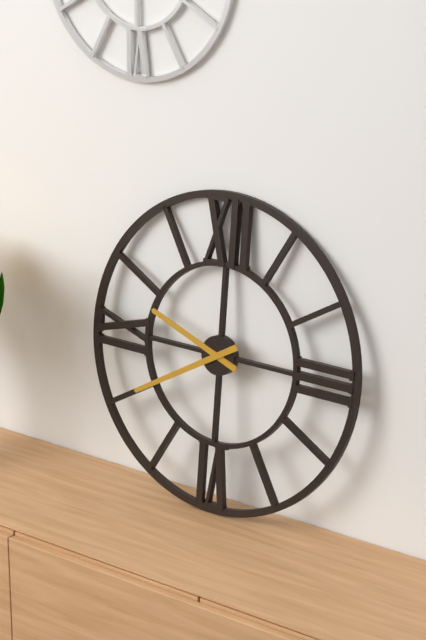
9:40
